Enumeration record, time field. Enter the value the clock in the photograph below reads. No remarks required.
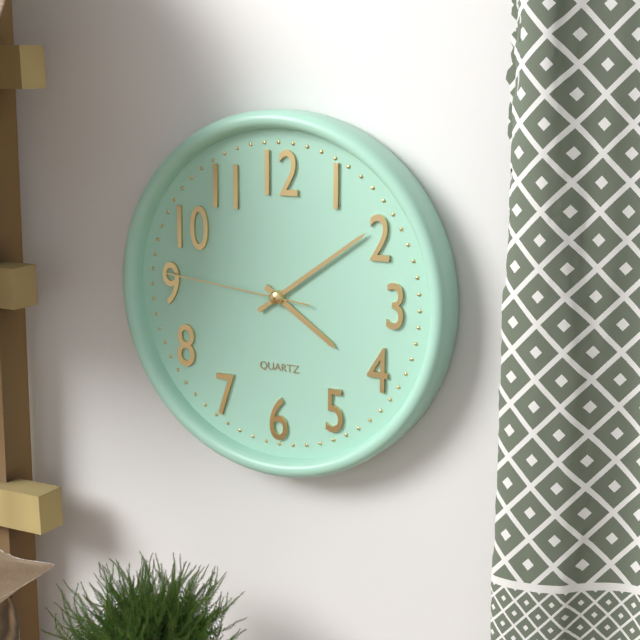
4:09:46
